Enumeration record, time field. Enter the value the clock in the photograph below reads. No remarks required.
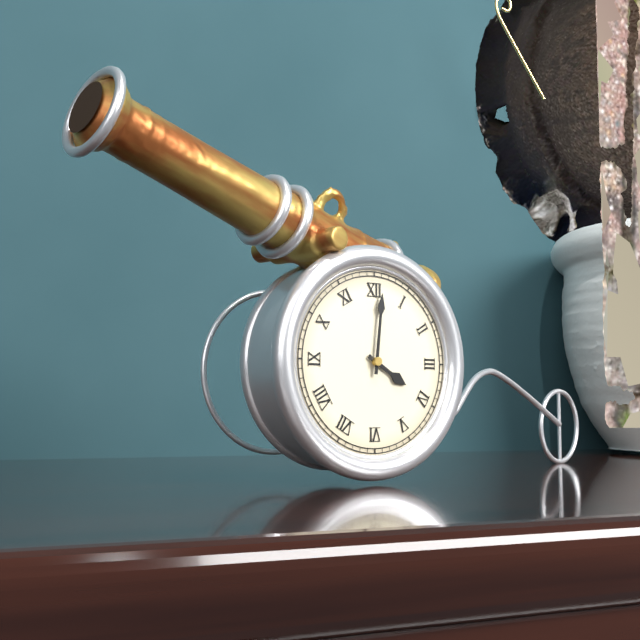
4:01
